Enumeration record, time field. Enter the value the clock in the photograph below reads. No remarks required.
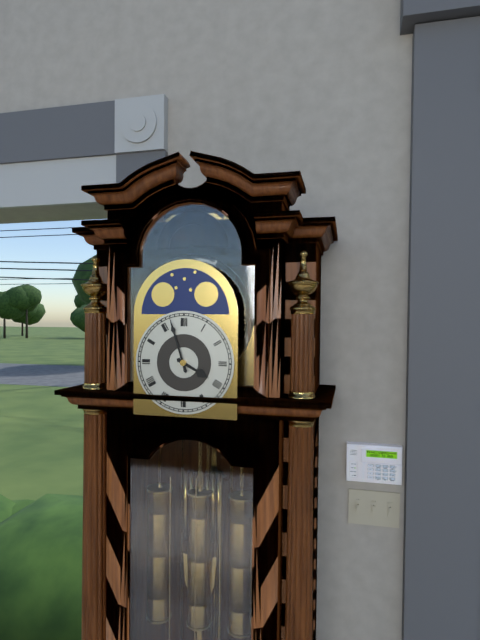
3:57
